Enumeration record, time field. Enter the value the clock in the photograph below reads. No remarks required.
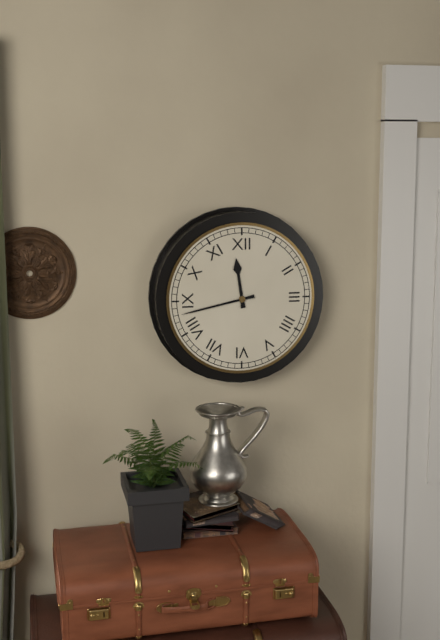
11:43
